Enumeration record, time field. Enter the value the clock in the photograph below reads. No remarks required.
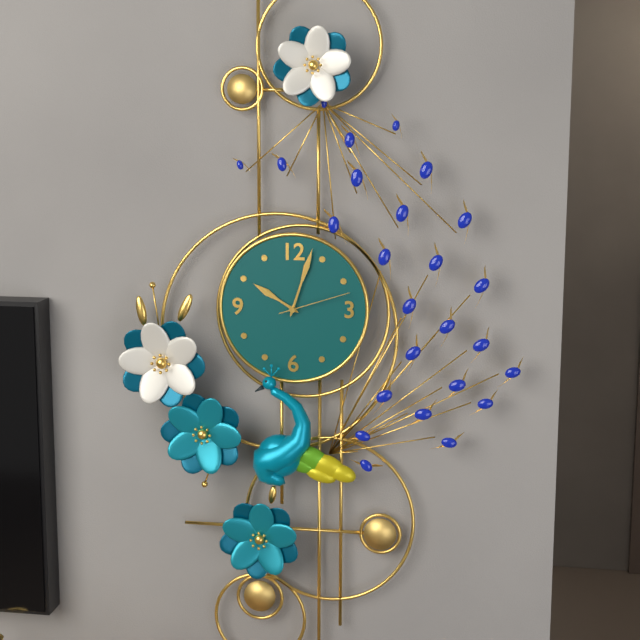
10:03:12
